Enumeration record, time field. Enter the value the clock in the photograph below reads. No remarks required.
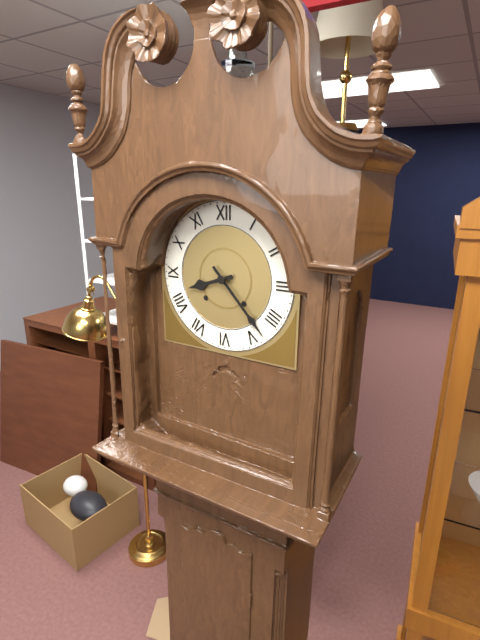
8:23
